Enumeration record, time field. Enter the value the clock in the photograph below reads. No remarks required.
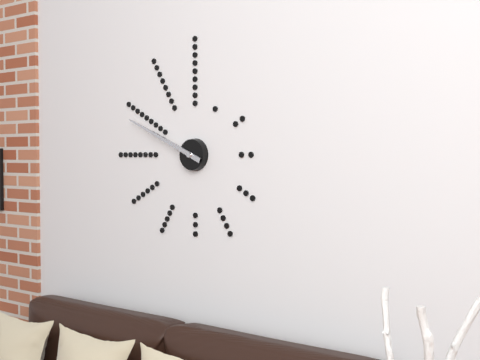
9:49
